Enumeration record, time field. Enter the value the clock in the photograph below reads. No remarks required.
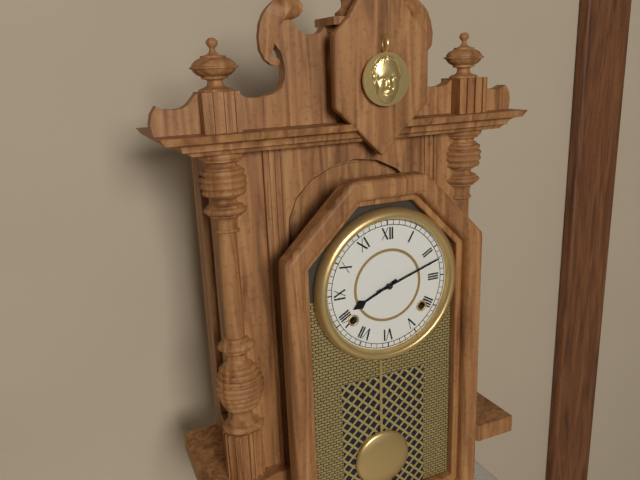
8:12
